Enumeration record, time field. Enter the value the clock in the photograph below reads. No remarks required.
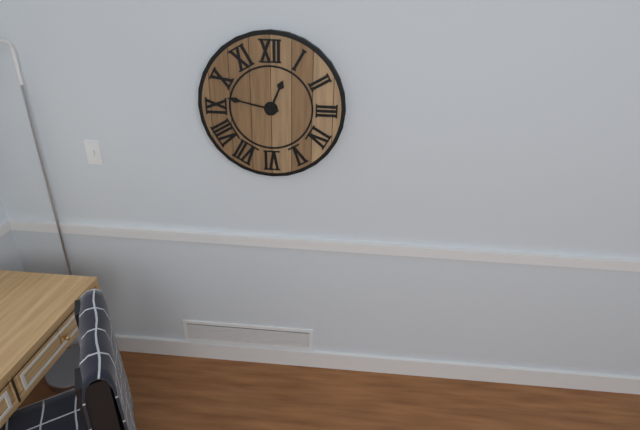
12:47
